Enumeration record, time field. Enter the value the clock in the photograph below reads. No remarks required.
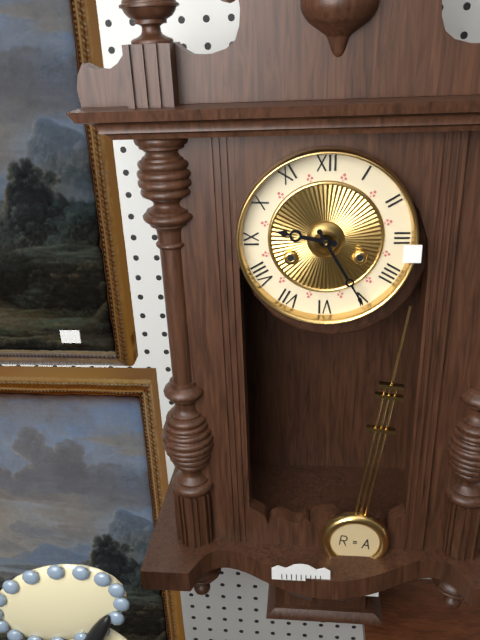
9:25
